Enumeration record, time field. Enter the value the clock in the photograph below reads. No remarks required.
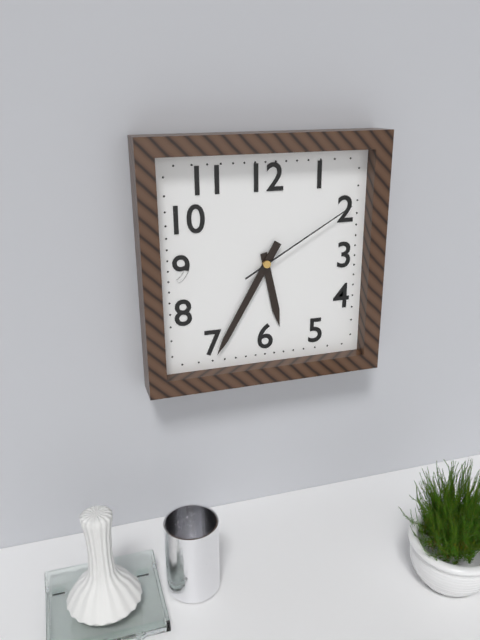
5:35:10
